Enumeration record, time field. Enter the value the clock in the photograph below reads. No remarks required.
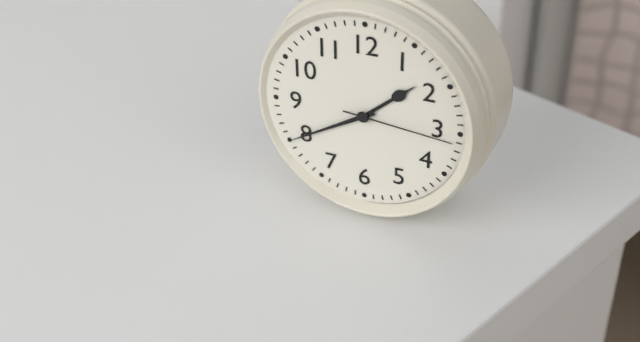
1:40:16
